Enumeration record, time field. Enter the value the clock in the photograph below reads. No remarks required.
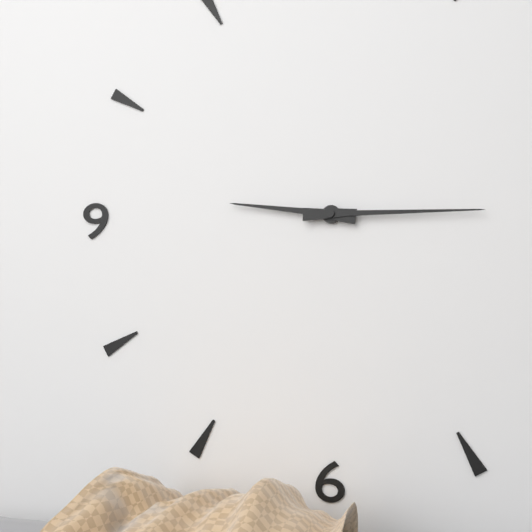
9:15
